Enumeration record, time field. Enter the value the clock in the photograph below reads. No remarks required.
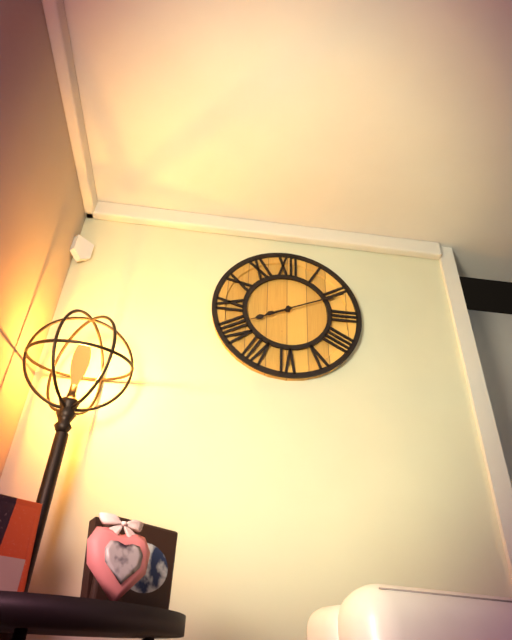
8:11
